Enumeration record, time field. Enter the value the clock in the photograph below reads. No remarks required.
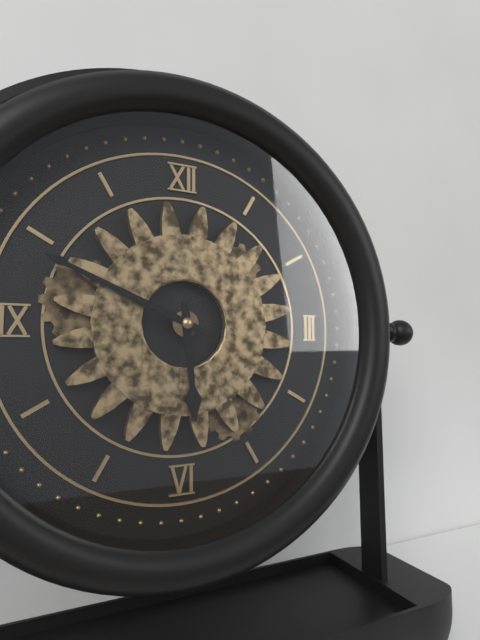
5:49
